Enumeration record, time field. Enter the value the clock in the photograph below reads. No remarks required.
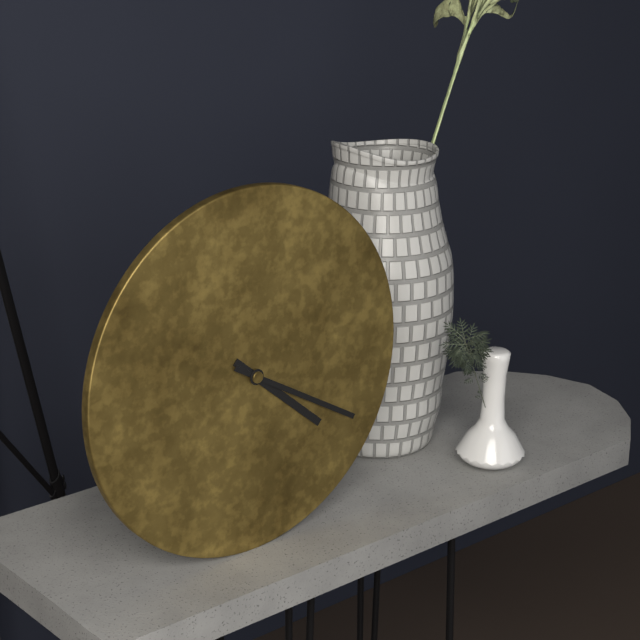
4:20
